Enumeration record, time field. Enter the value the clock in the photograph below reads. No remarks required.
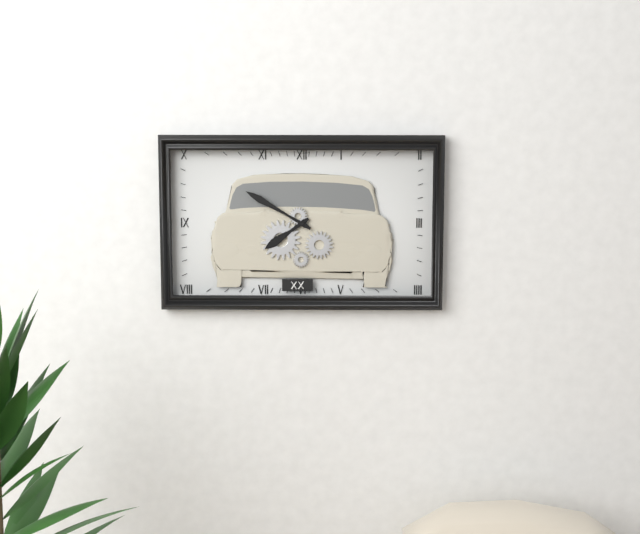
7:50
